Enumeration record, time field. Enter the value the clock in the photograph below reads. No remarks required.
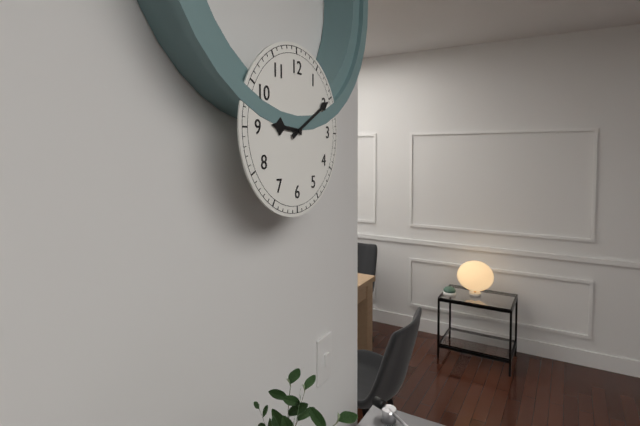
9:10
